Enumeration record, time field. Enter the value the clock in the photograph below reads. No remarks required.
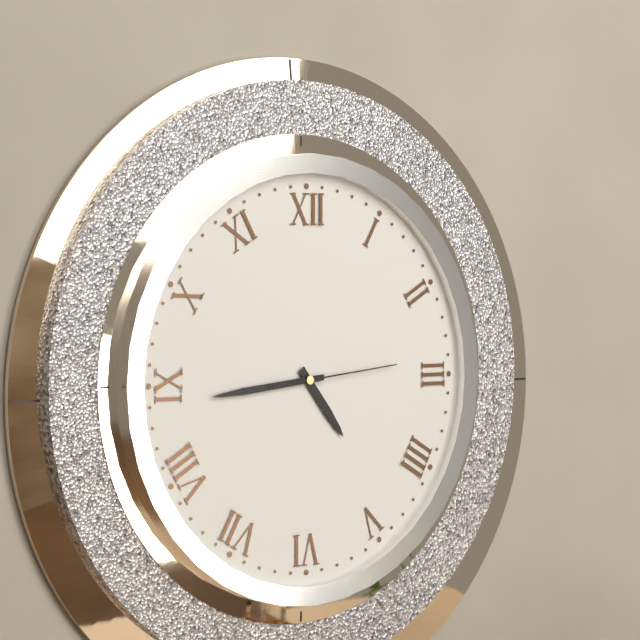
4:44:14
